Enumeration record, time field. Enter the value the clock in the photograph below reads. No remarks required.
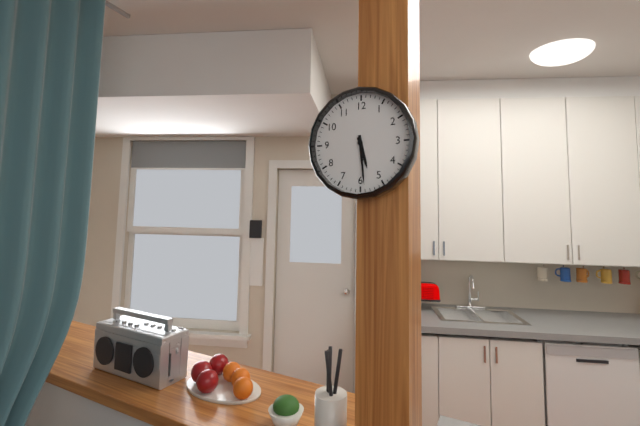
5:29
